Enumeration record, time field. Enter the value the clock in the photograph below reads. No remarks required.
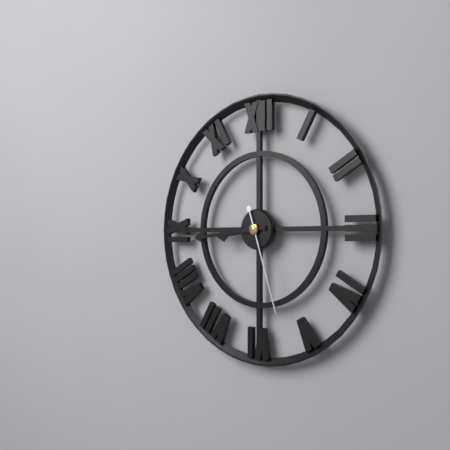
8:44:27
